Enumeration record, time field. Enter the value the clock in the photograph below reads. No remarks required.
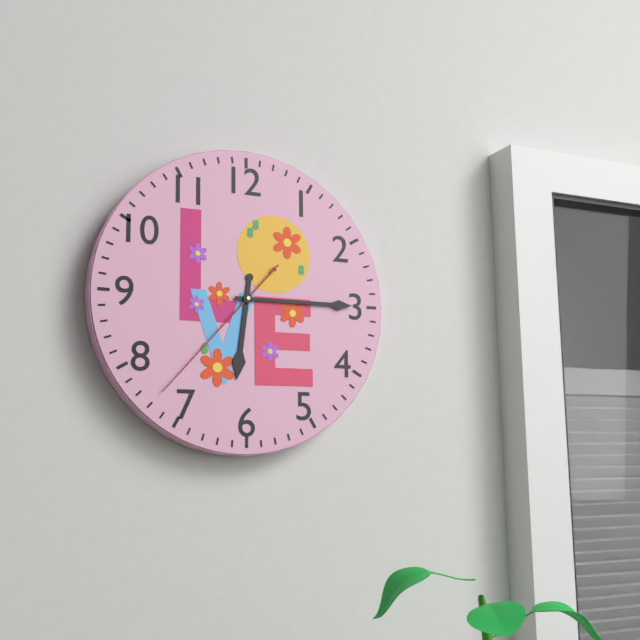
6:15:37
